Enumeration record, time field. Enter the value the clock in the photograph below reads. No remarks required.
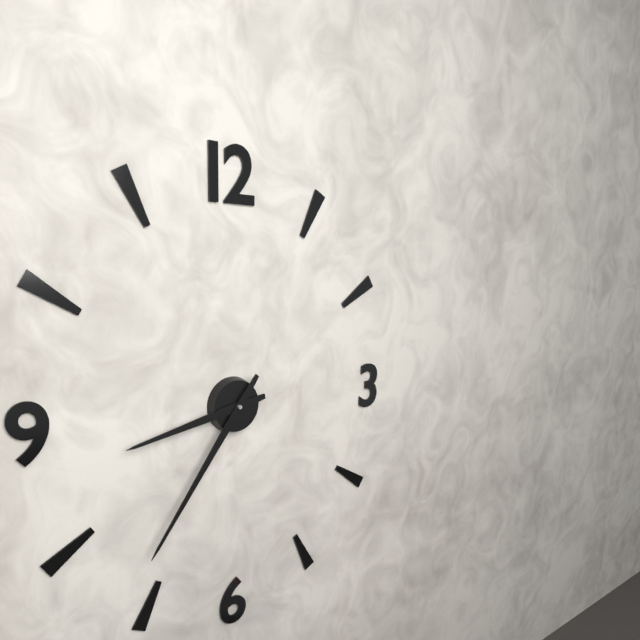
8:36
